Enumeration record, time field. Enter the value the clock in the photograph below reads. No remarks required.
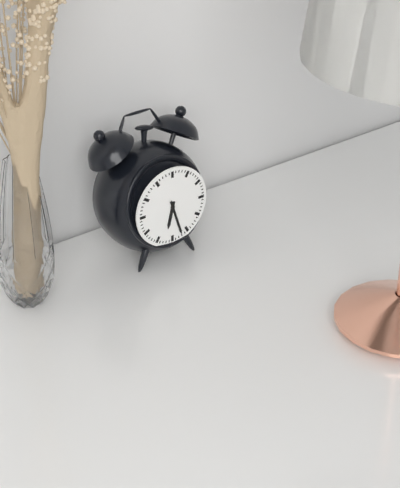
6:27
